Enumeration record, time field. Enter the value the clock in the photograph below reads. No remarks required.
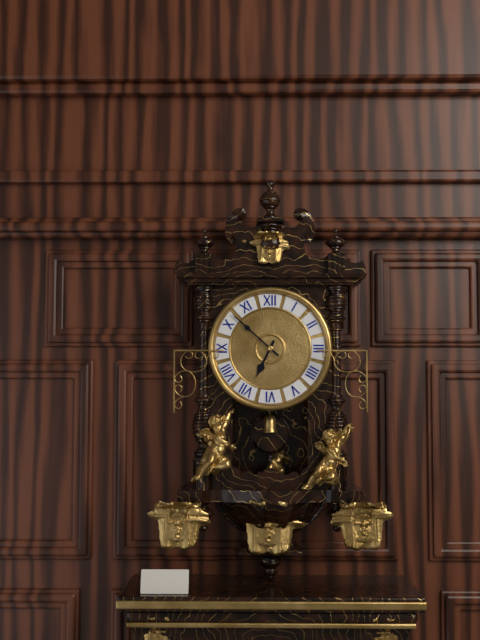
6:52
